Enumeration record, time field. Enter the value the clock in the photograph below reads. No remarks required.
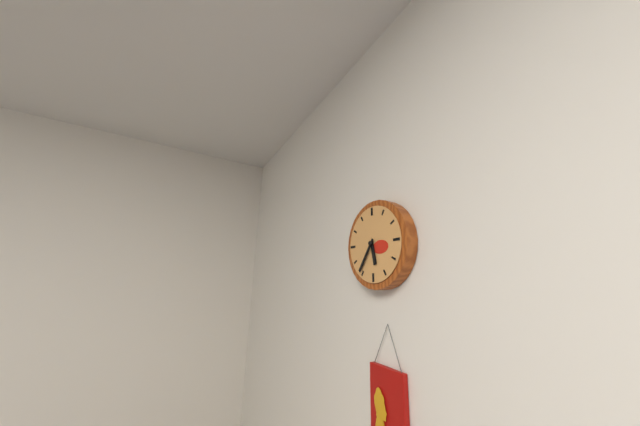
5:36
